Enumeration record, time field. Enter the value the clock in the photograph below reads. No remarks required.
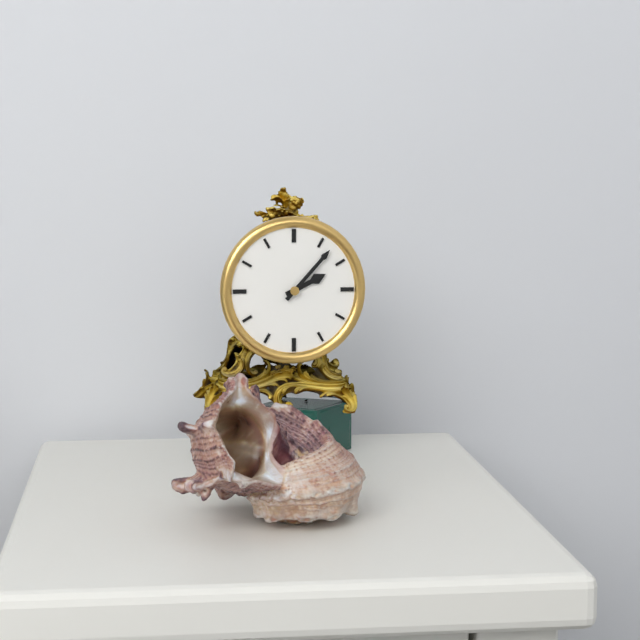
2:07
